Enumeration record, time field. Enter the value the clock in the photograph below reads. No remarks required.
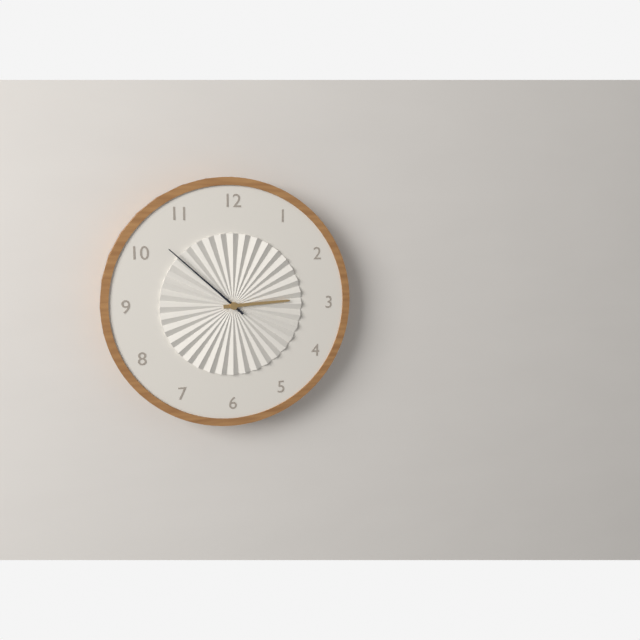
2:52
